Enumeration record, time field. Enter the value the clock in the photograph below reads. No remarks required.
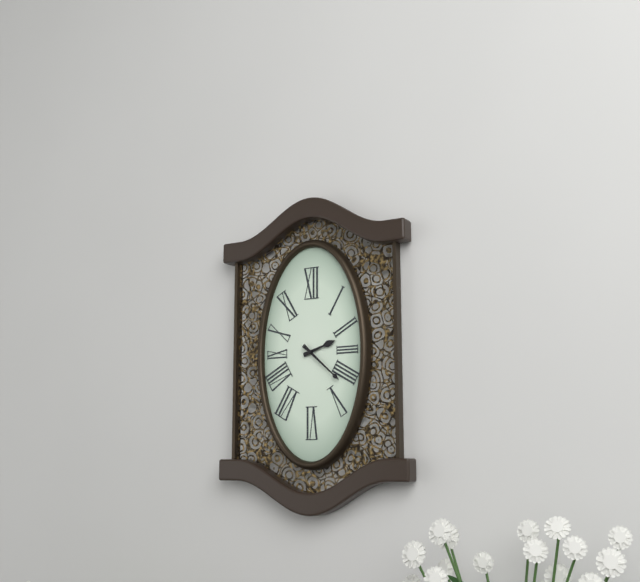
2:22
